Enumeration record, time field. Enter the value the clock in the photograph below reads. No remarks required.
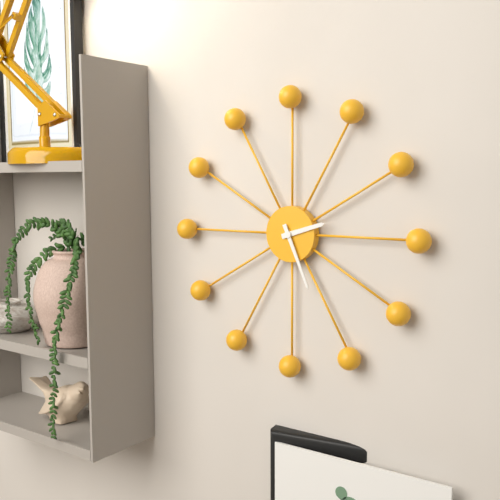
2:26
